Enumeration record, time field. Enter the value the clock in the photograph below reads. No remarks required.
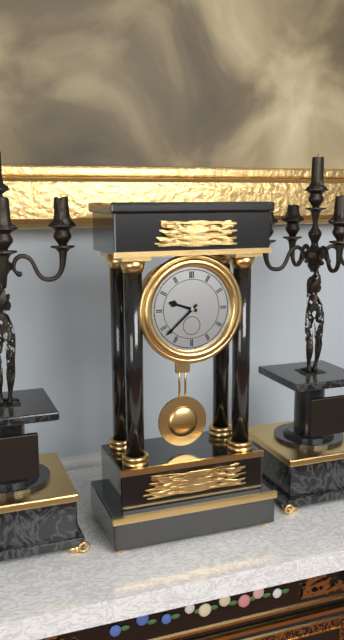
9:38
